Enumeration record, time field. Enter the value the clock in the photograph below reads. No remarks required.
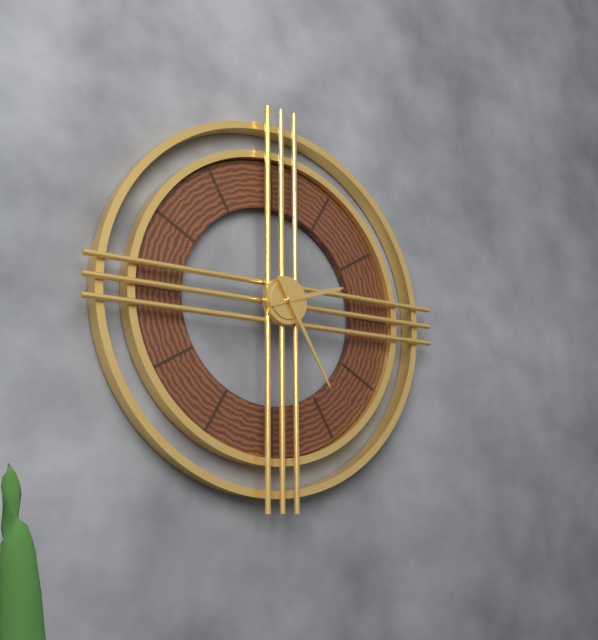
2:25
